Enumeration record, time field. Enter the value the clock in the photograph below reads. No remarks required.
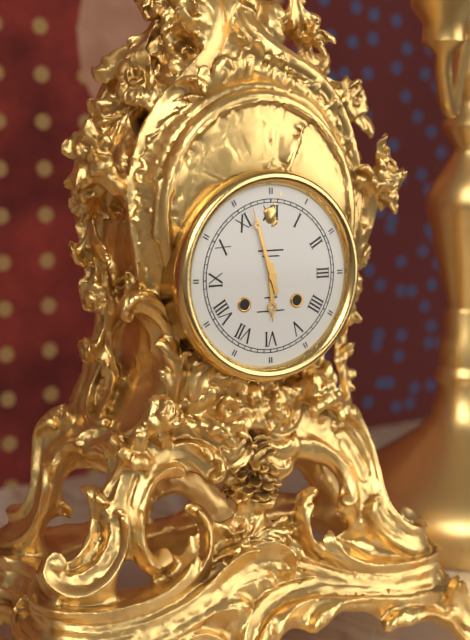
5:57
